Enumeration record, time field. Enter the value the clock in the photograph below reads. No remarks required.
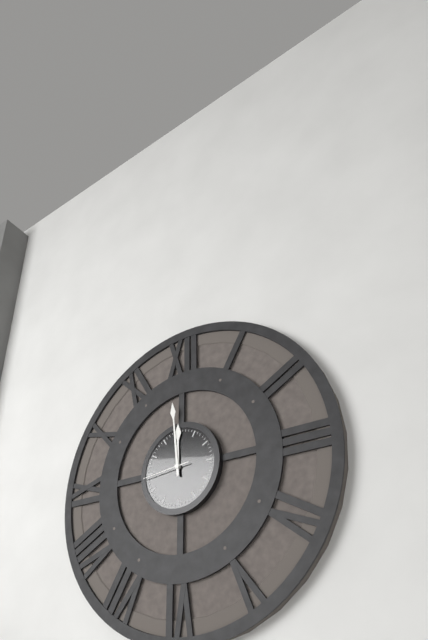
11:59:44
